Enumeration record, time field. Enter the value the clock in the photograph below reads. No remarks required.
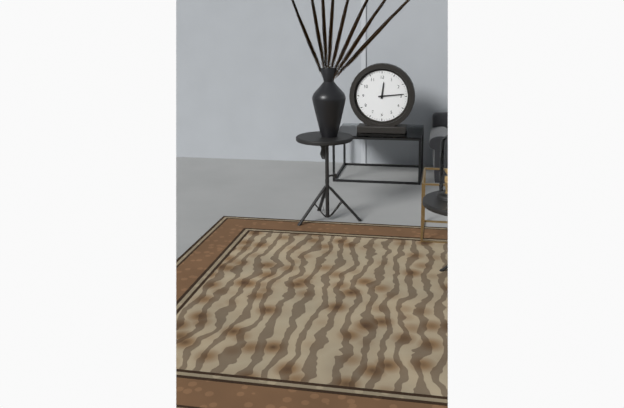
12:14
